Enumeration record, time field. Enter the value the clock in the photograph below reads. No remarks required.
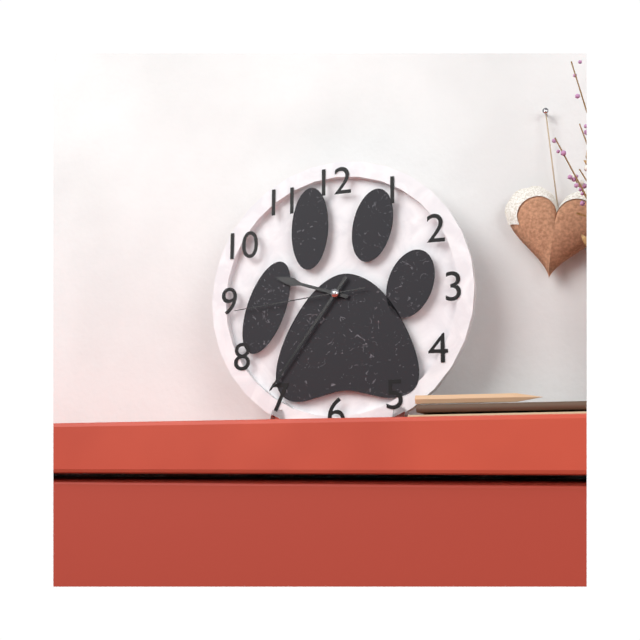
9:36:44
